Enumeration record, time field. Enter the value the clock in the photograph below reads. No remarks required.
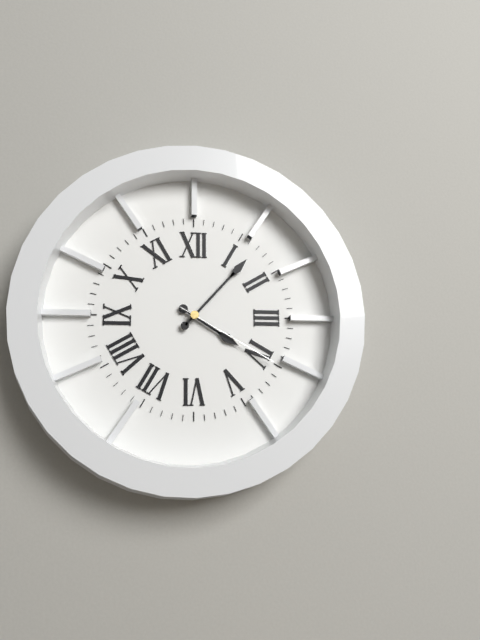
4:07:20
